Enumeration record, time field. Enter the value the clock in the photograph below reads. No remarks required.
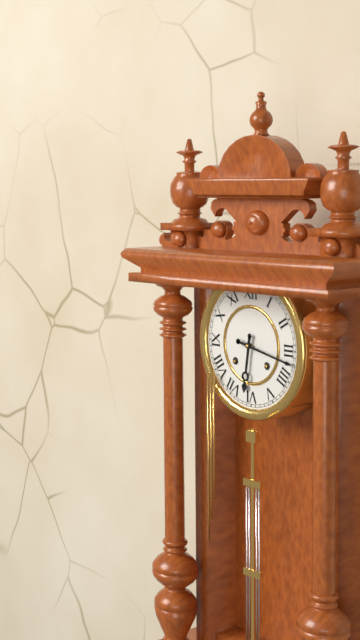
6:17
